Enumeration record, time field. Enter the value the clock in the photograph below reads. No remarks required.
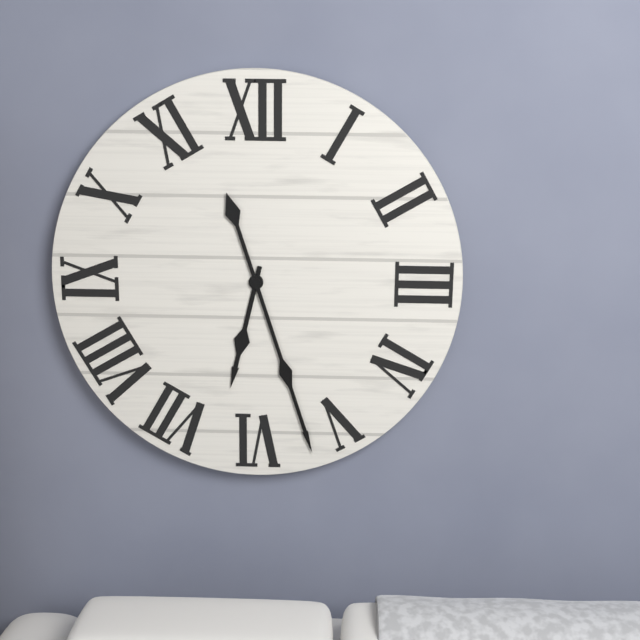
6:27
